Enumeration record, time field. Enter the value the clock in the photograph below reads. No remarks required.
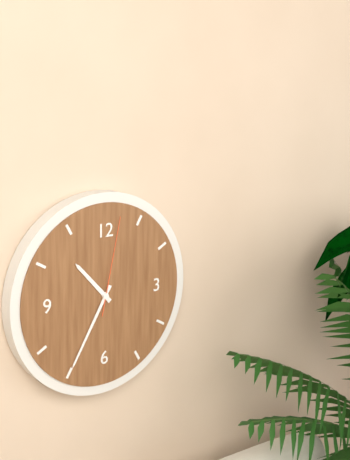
10:35:02
